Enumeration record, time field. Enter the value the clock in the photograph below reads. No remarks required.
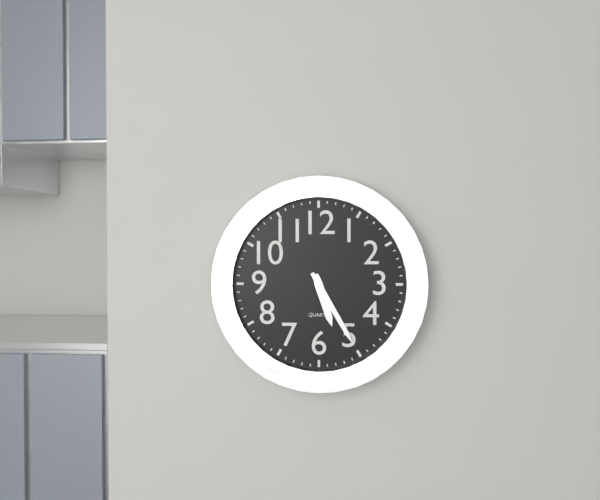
5:25
